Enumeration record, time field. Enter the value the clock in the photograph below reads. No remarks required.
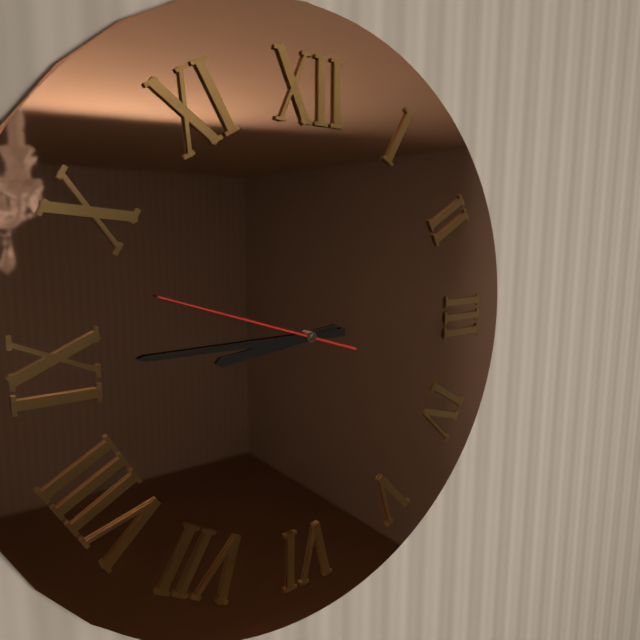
8:45:48
